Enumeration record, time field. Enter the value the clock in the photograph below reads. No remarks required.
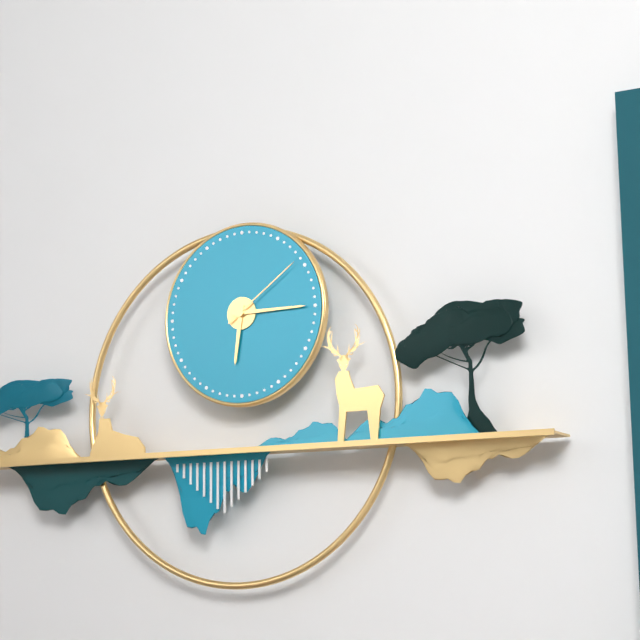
6:15:09
